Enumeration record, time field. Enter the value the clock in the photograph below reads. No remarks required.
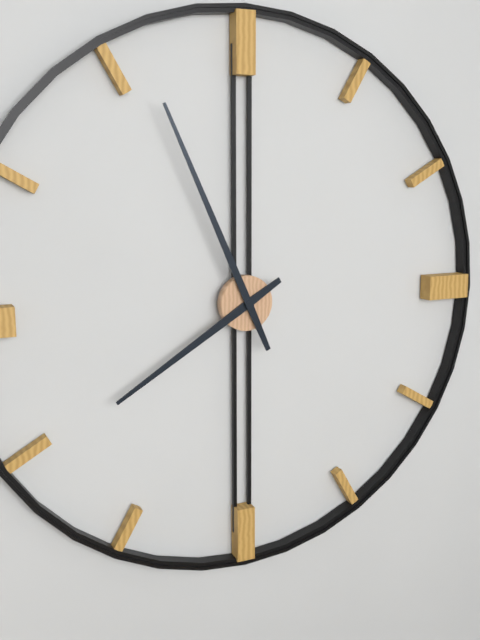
7:56
